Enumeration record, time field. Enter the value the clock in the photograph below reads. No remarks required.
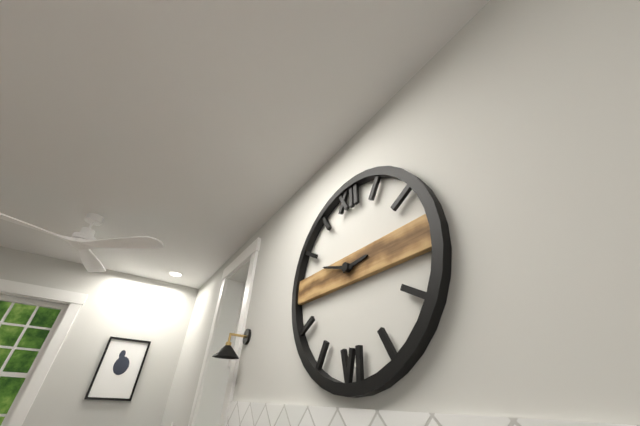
2:48
